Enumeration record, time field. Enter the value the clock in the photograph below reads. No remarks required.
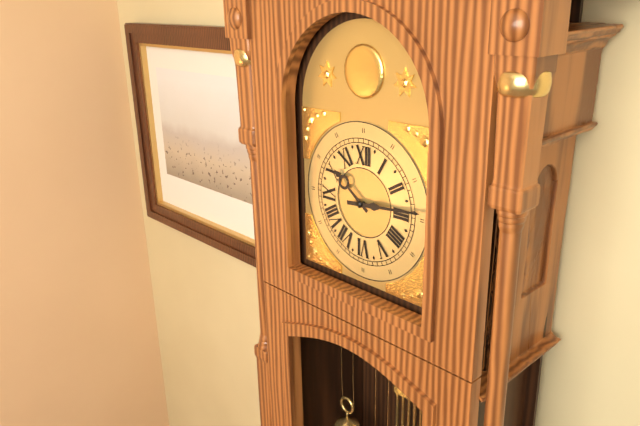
10:14
